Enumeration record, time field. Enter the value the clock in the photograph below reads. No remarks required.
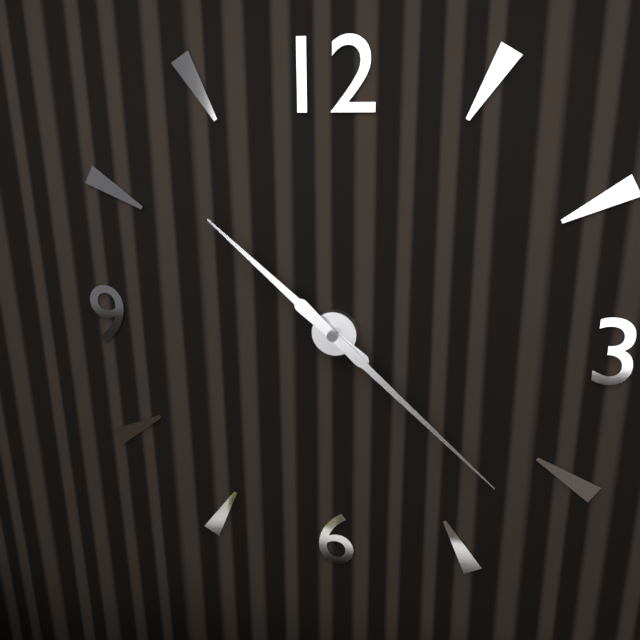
10:22
